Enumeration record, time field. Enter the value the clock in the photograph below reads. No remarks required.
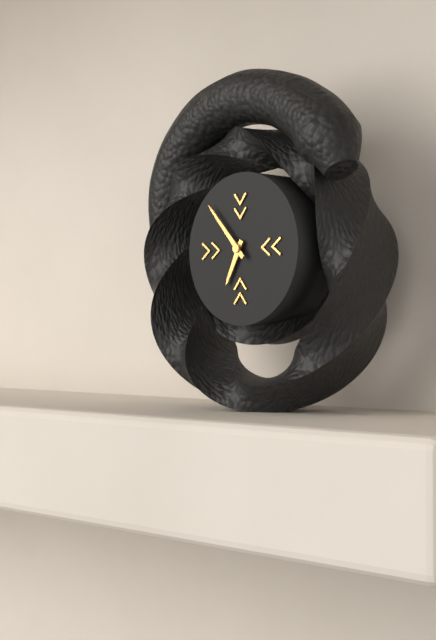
6:53
